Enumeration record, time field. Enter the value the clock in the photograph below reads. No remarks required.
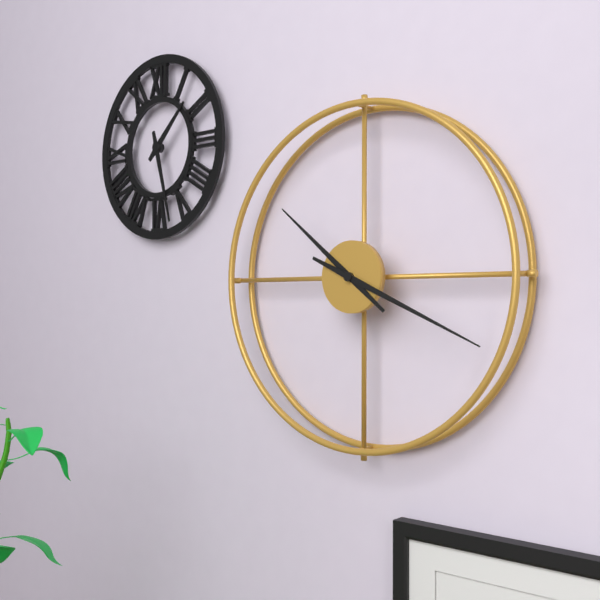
10:19
